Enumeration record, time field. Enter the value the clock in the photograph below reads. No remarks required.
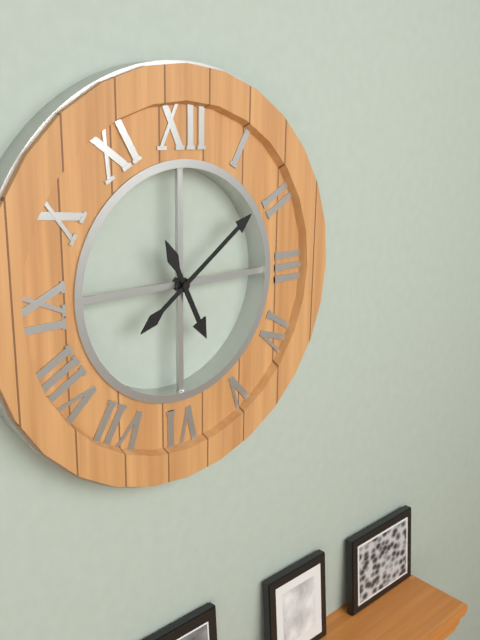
5:09
